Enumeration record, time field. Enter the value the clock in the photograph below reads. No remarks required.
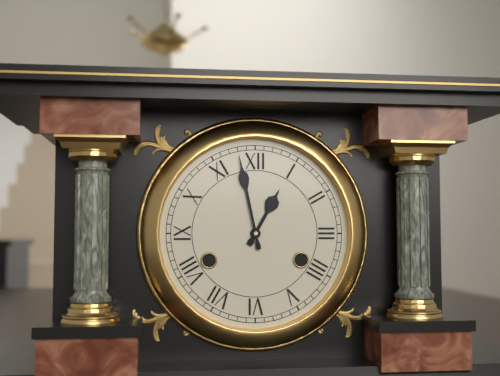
12:58
